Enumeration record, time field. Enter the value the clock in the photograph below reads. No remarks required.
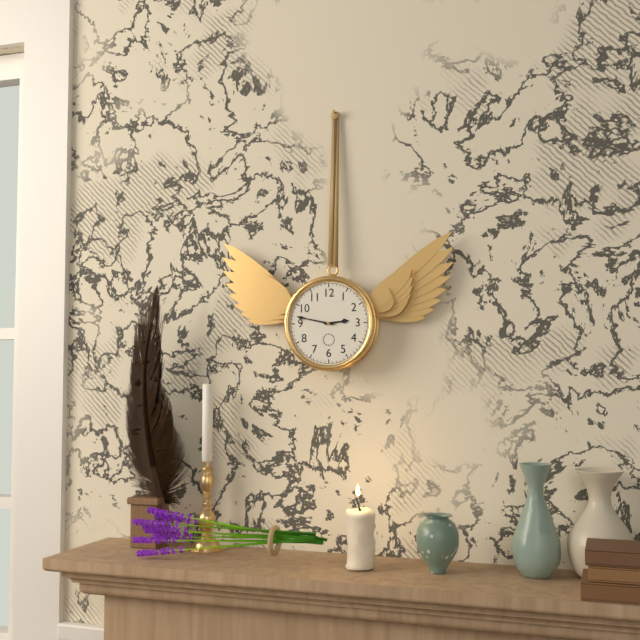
2:47
